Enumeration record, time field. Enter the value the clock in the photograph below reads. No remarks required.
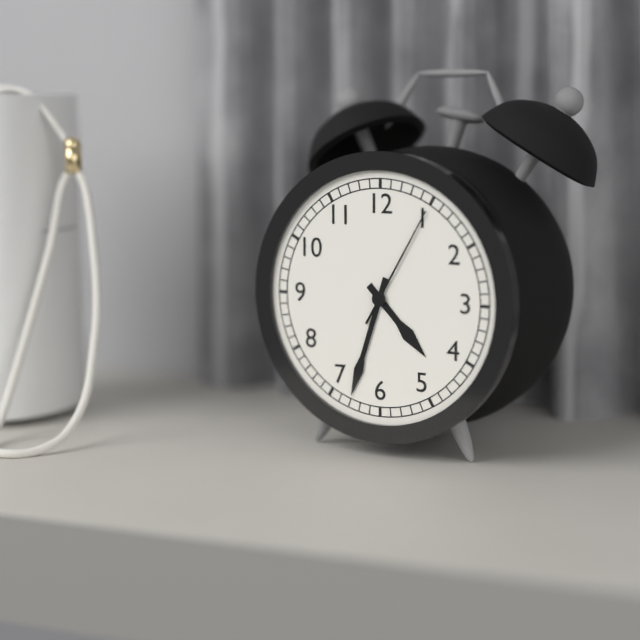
4:33:05
